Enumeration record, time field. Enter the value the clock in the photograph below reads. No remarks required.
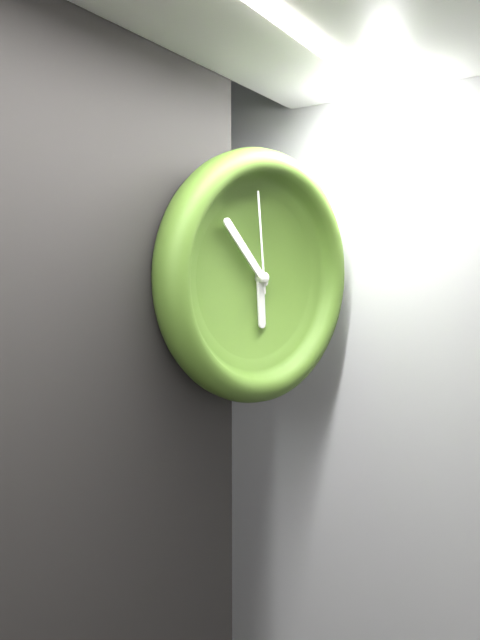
5:53:59
